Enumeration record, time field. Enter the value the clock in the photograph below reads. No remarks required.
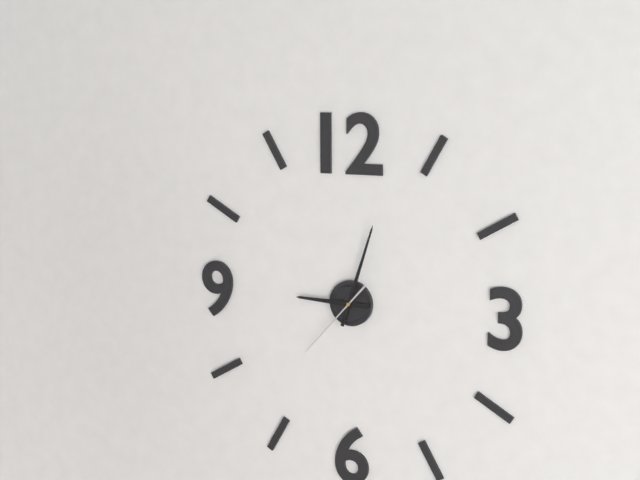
9:03:37
